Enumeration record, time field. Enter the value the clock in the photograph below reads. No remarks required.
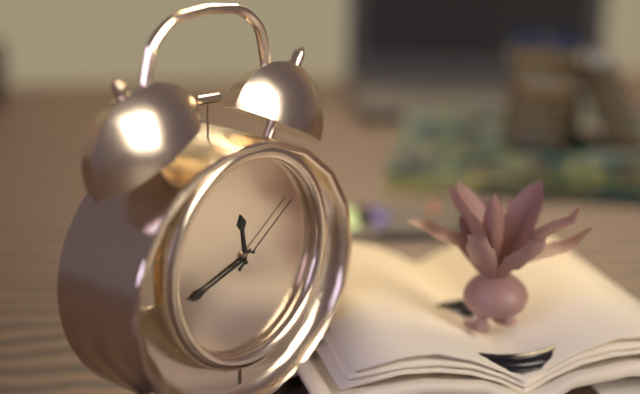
11:42:09
